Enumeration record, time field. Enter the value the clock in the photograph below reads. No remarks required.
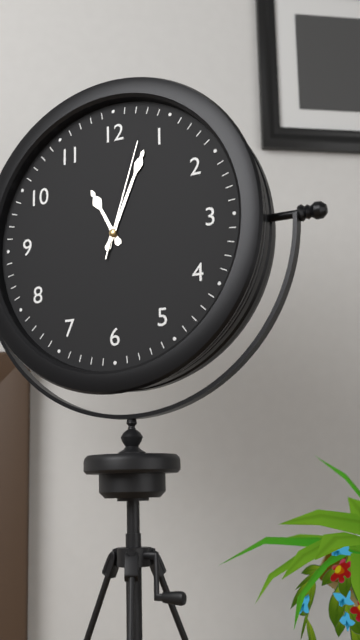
11:04:03
